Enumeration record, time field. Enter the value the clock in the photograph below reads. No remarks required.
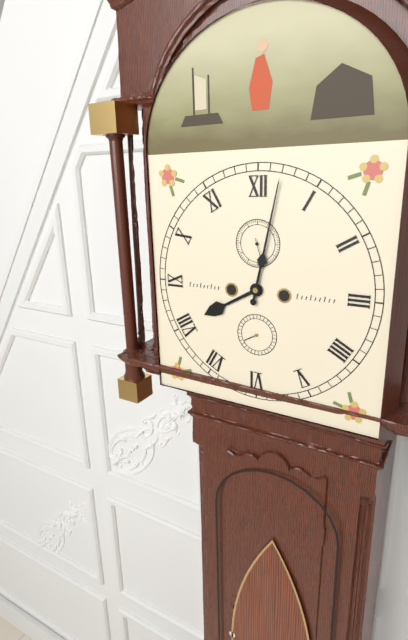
8:02
